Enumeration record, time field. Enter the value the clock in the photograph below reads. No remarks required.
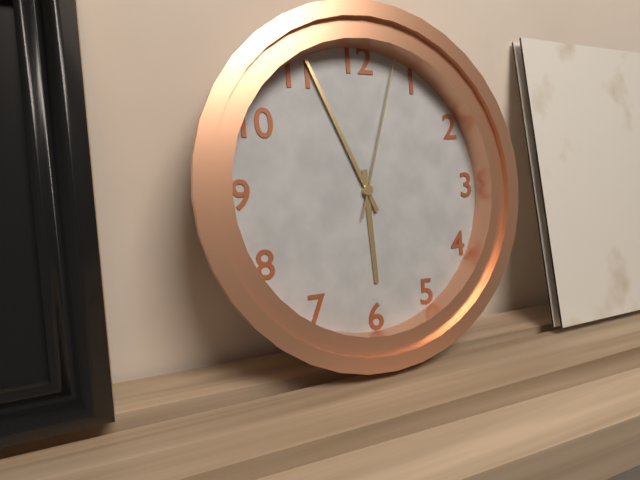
5:56:03
